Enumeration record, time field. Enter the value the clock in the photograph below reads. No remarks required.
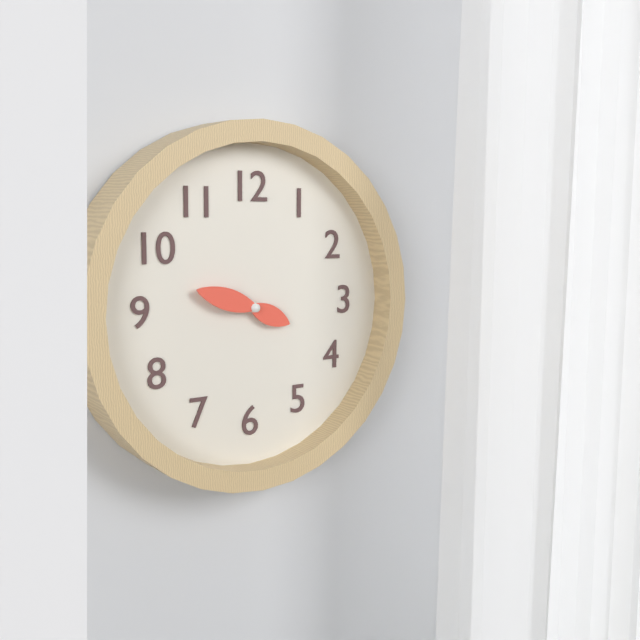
3:48
